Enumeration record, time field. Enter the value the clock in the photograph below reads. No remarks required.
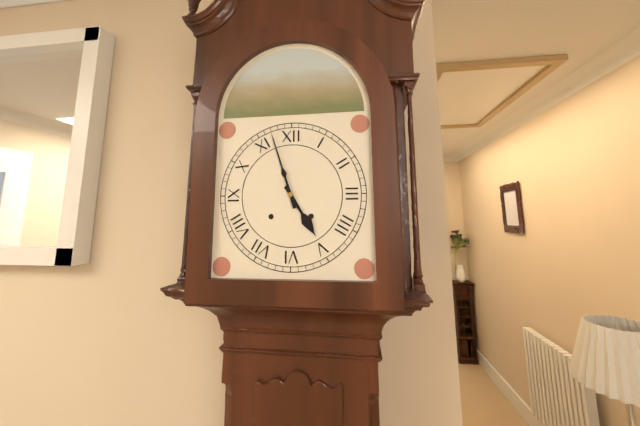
4:57
